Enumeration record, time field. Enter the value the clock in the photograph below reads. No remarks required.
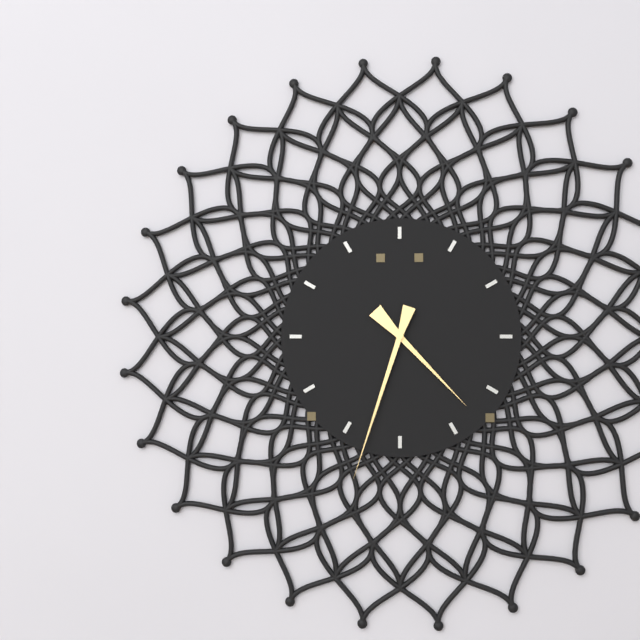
4:33
